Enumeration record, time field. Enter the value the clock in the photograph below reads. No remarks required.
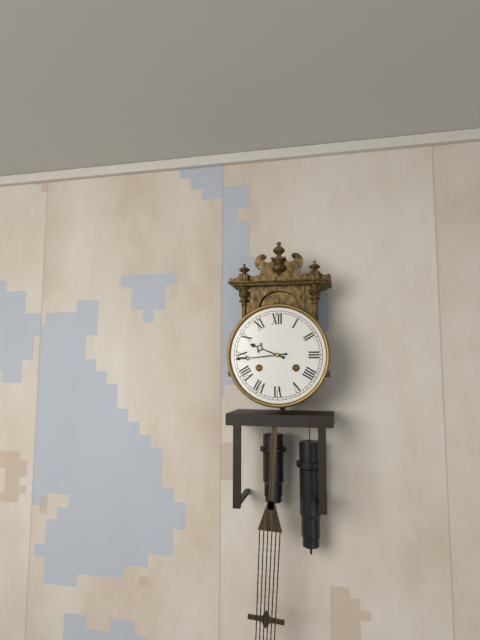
9:44
